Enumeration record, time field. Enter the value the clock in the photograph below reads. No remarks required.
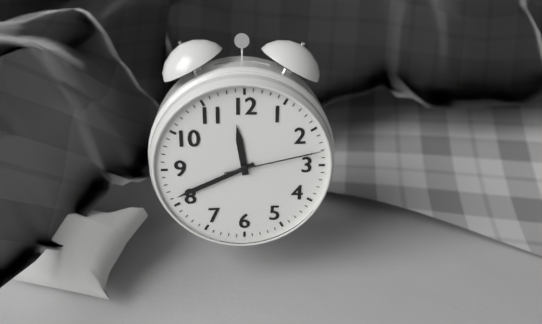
11:41:13
